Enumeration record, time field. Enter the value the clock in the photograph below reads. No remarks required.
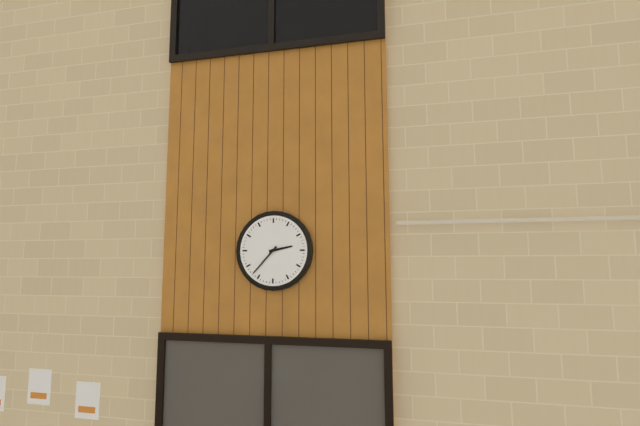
2:37
